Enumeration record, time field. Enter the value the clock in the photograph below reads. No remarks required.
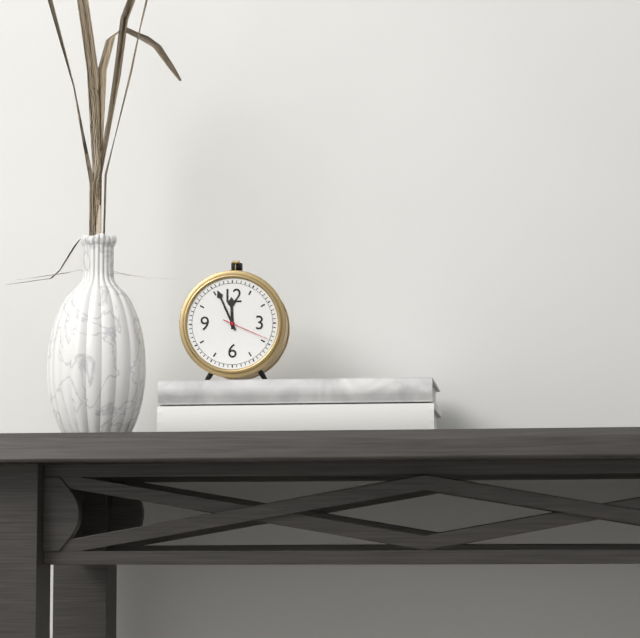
11:56
